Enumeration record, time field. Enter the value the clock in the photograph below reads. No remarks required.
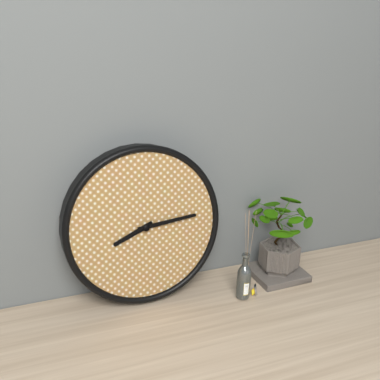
8:14
